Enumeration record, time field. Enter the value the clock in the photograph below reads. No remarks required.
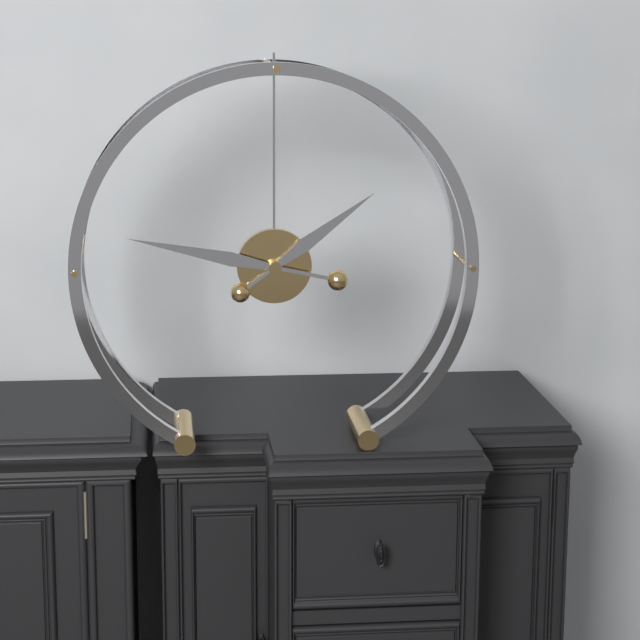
1:47
